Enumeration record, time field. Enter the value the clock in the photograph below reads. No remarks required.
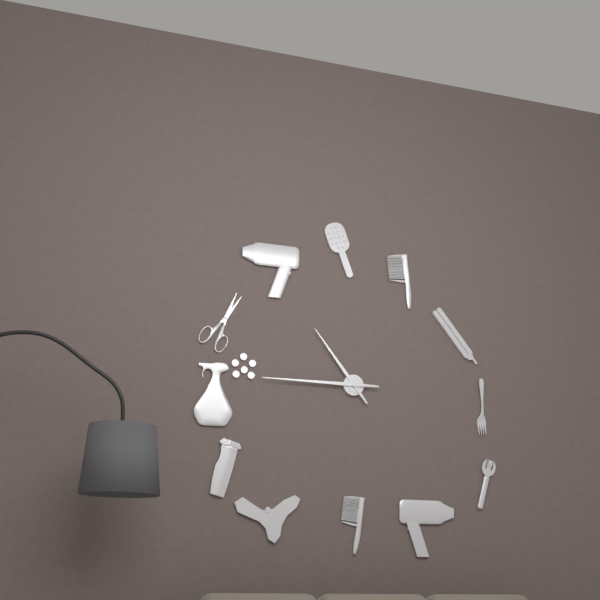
10:45
